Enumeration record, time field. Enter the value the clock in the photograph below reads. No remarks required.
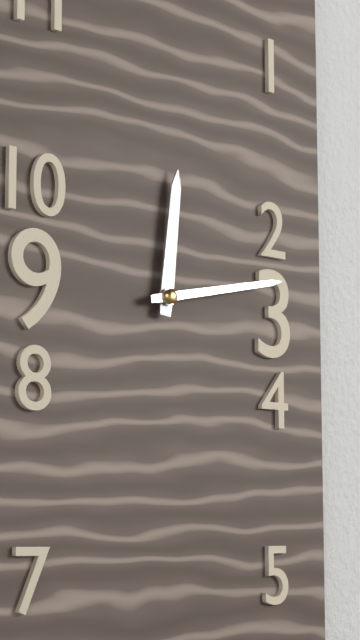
12:13
